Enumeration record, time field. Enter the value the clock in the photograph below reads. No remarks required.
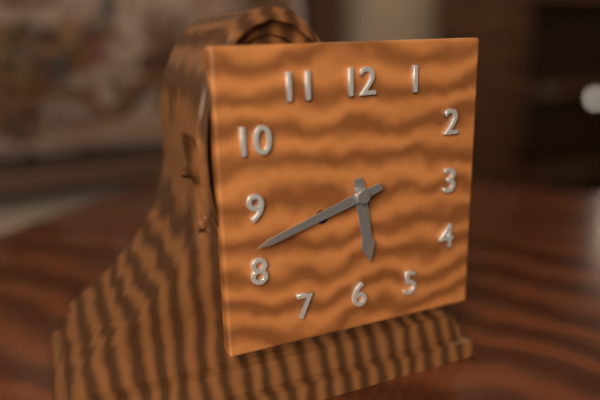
5:42
